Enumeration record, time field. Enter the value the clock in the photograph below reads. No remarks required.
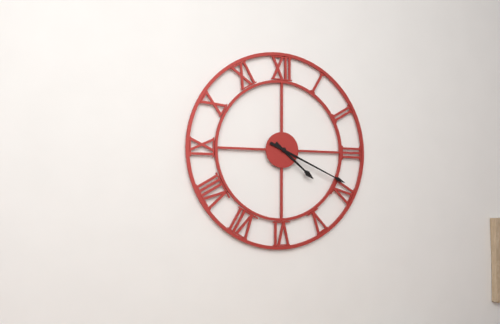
4:19
